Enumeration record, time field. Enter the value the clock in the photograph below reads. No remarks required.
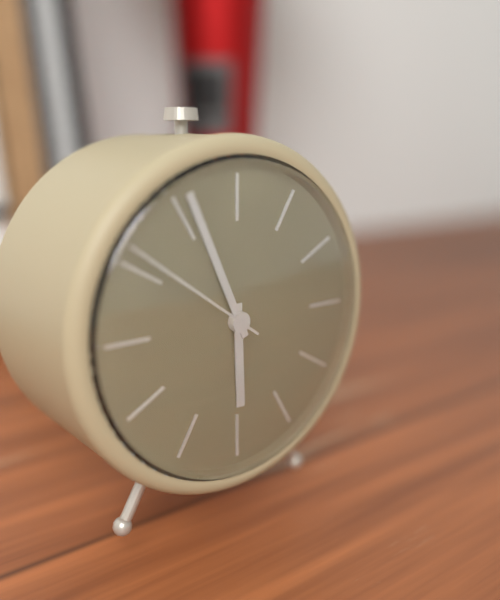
5:56:51
